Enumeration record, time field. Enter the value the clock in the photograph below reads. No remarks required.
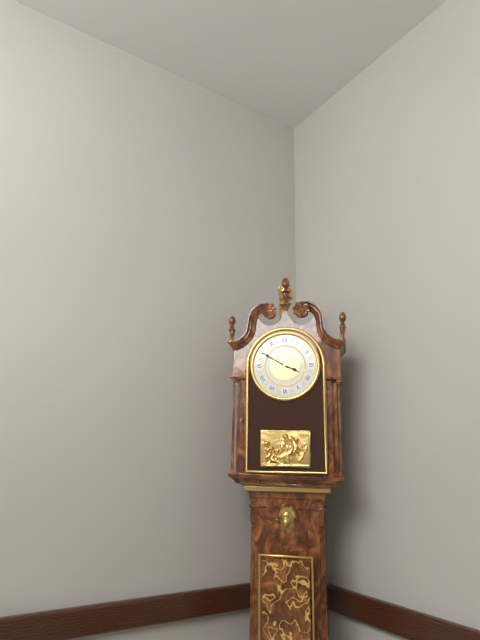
3:50
